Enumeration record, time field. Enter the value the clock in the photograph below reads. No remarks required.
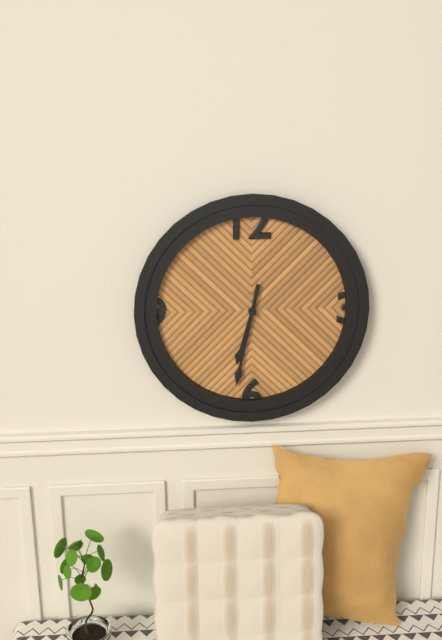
6:32
